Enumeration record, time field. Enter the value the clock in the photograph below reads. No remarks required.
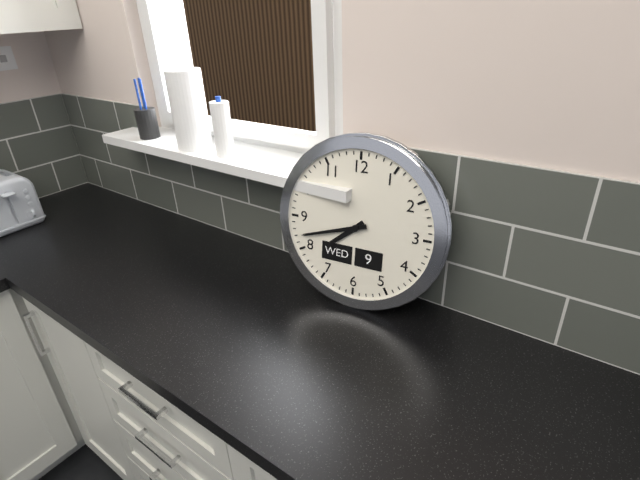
7:42
